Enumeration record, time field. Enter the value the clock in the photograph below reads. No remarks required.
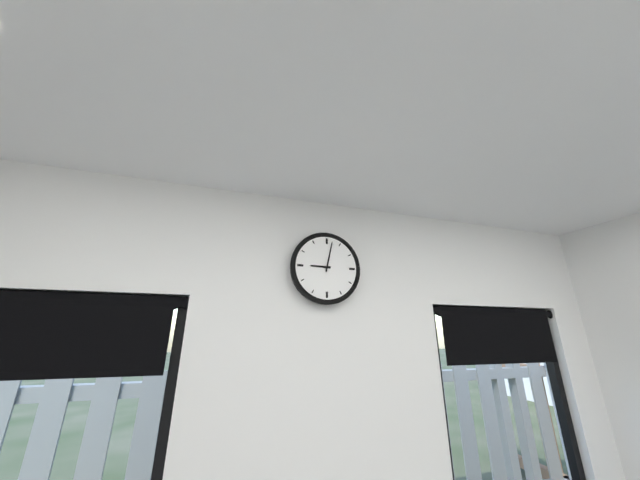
9:02
